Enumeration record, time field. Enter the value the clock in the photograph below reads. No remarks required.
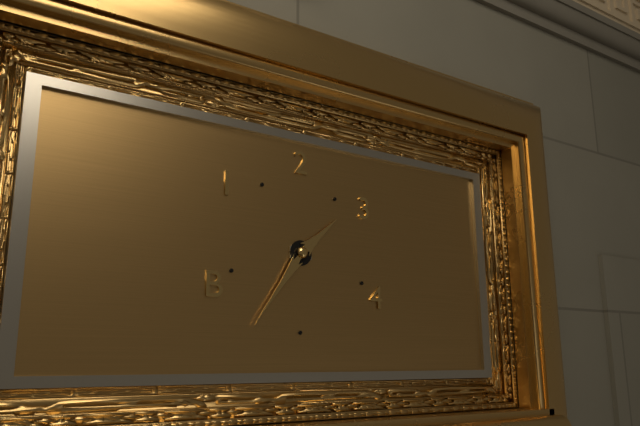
1:36
